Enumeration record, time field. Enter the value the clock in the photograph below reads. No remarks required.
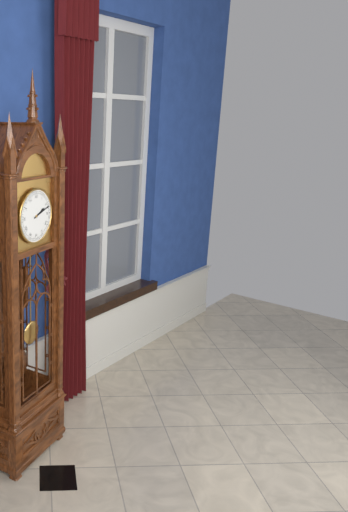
2:12
